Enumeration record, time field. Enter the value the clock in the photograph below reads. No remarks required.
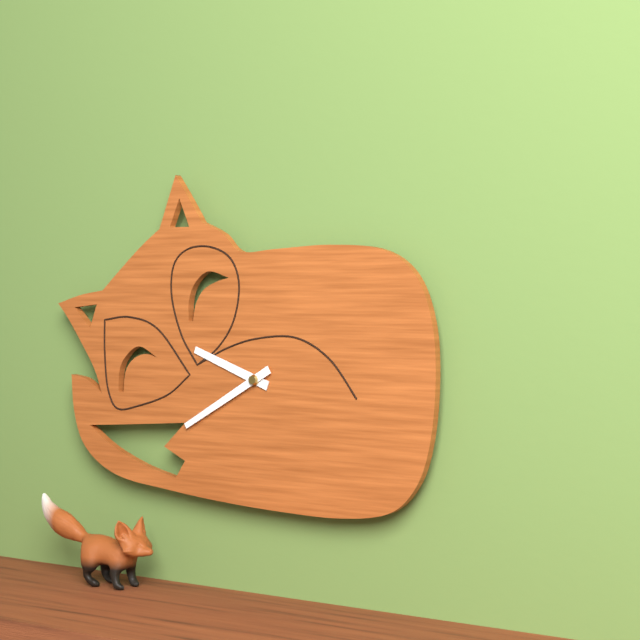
9:40
